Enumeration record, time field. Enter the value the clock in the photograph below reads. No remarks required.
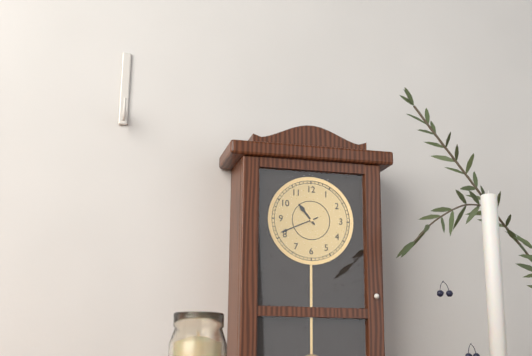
10:41
